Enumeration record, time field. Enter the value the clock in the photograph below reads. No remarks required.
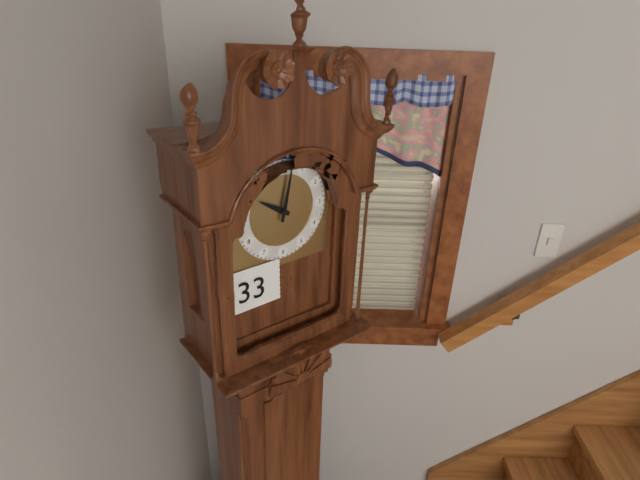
10:02
